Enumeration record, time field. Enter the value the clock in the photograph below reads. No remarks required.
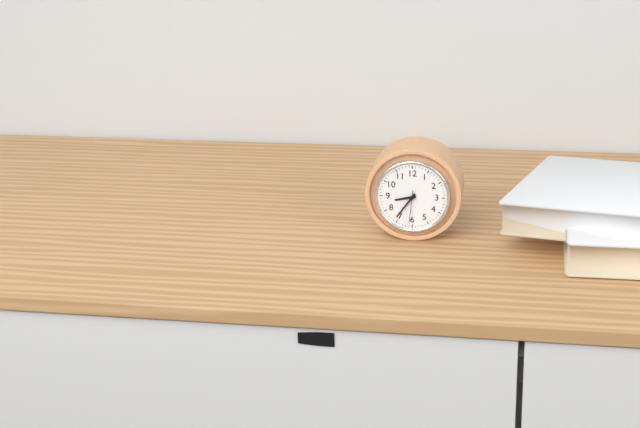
8:36
